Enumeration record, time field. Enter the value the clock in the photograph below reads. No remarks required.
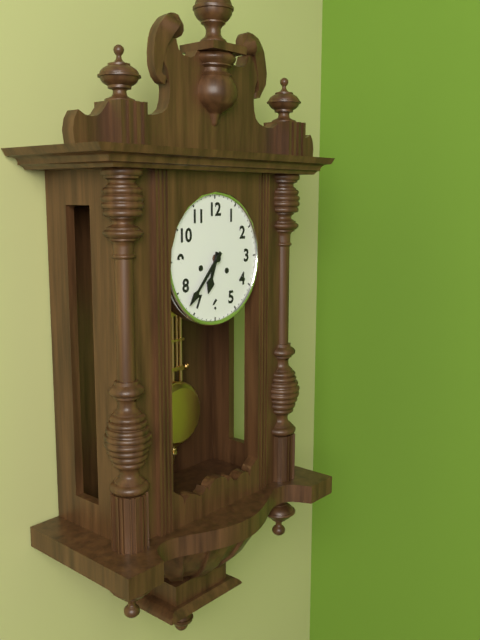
6:37
